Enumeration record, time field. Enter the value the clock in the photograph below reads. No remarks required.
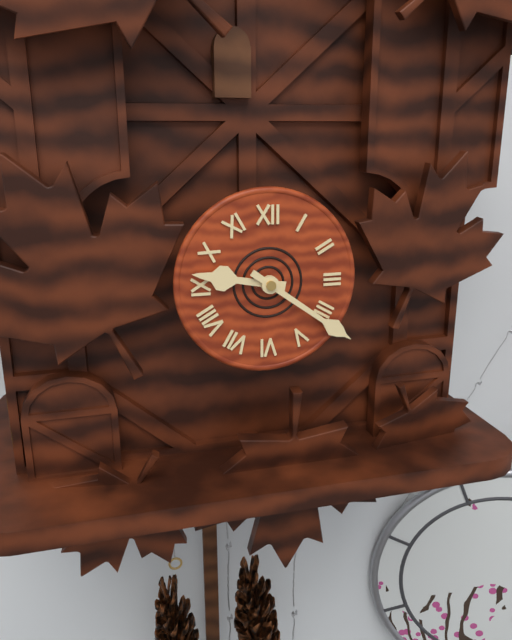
9:21
